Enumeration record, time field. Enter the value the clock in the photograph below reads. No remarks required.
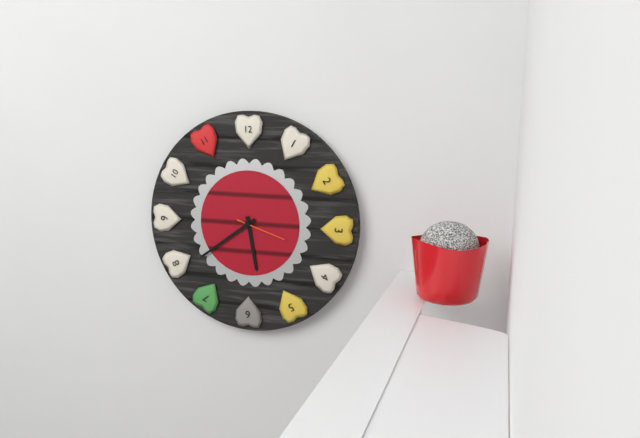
5:39:18
